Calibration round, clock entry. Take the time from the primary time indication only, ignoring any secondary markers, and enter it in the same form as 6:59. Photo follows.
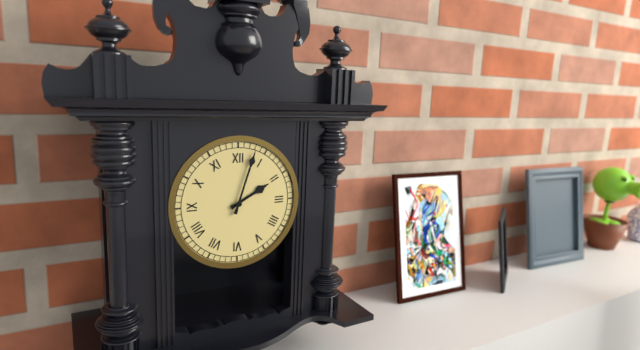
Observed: 2:03
